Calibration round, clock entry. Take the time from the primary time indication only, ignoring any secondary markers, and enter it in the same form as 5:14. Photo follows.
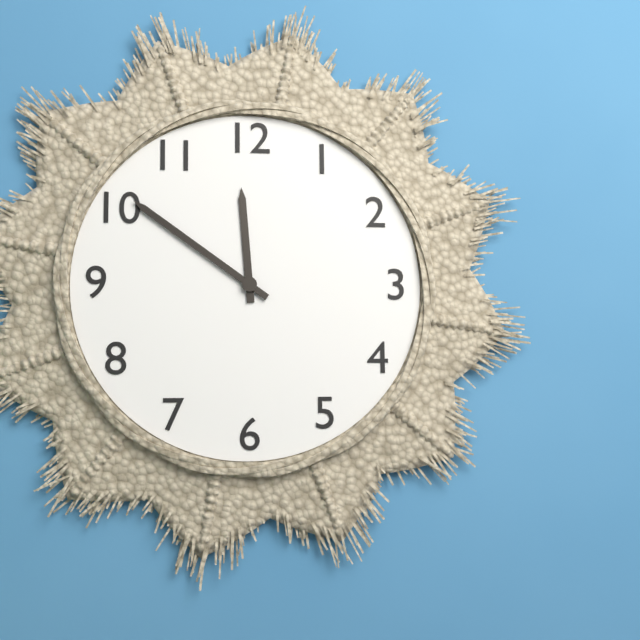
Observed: 11:51
